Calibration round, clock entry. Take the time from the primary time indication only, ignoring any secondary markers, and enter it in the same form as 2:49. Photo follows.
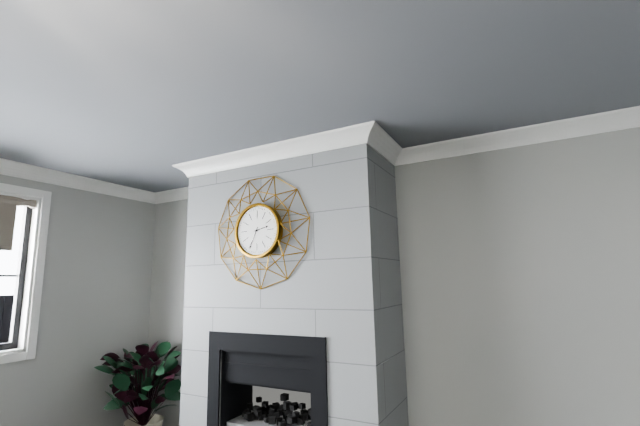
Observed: 2:34
